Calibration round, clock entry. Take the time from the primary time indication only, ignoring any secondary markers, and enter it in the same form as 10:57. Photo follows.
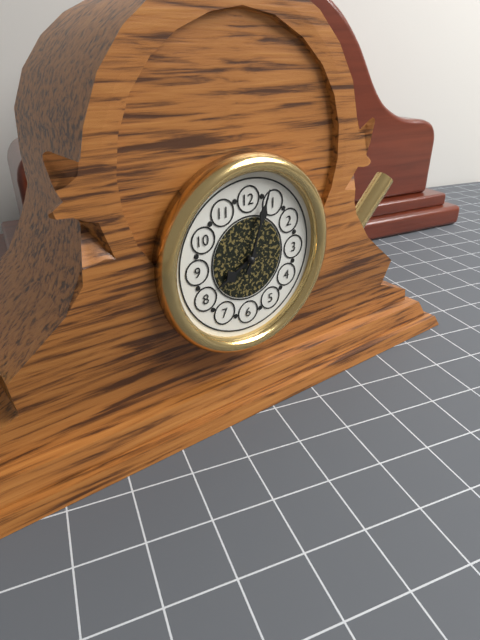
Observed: 8:03
